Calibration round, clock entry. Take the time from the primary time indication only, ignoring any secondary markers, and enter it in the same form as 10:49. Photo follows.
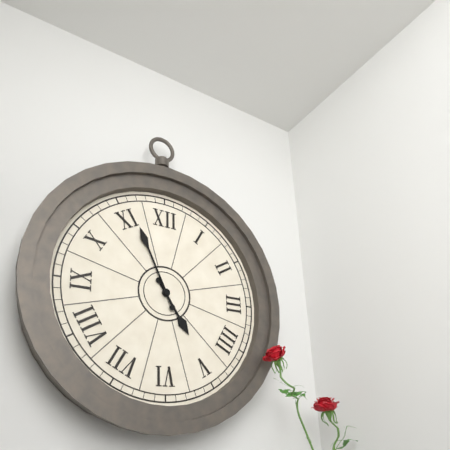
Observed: 4:56
